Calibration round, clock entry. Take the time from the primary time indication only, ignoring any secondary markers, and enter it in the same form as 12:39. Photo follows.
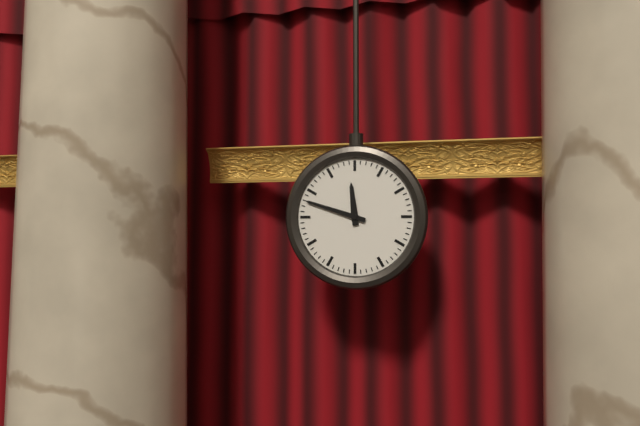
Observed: 11:48
